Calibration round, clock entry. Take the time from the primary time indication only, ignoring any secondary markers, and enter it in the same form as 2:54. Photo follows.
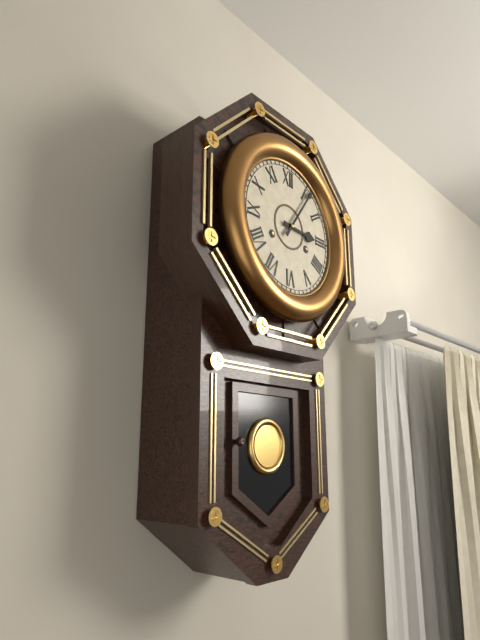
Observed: 3:06
